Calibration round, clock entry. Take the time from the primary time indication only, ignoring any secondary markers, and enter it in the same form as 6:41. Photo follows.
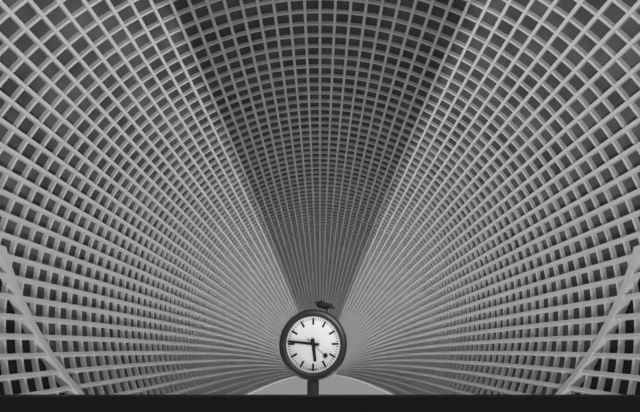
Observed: 5:46
